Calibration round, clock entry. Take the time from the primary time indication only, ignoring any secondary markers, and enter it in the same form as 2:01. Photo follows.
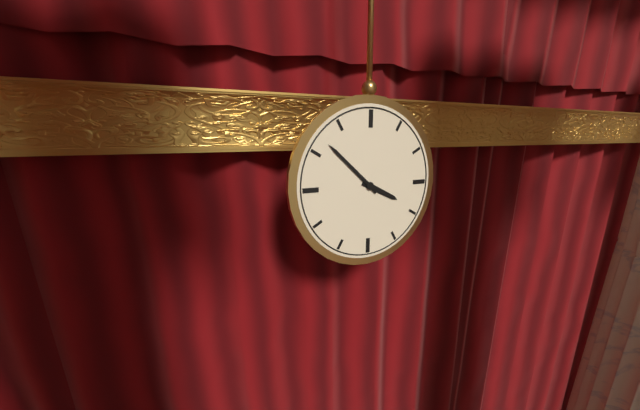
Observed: 3:52
